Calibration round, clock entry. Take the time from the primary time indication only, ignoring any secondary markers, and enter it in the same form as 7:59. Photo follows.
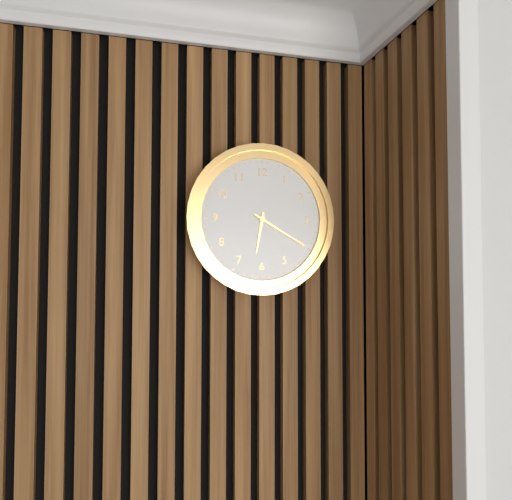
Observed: 6:20
